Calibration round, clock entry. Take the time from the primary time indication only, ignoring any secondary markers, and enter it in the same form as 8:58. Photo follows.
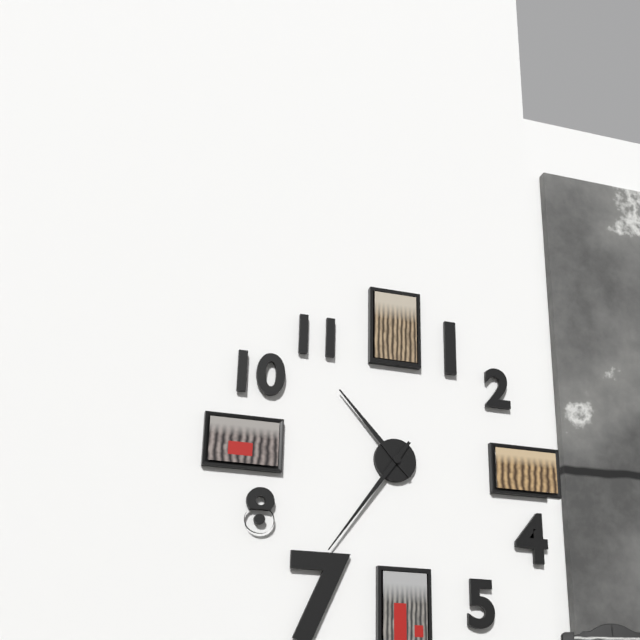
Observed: 10:36
